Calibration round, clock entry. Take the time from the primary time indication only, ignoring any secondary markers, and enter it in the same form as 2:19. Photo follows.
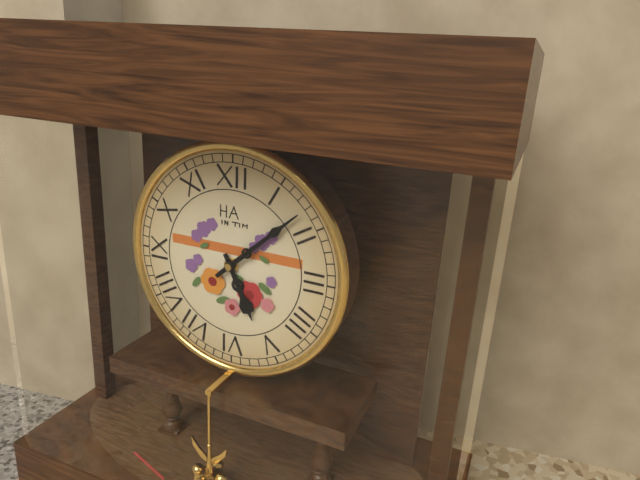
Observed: 5:08
